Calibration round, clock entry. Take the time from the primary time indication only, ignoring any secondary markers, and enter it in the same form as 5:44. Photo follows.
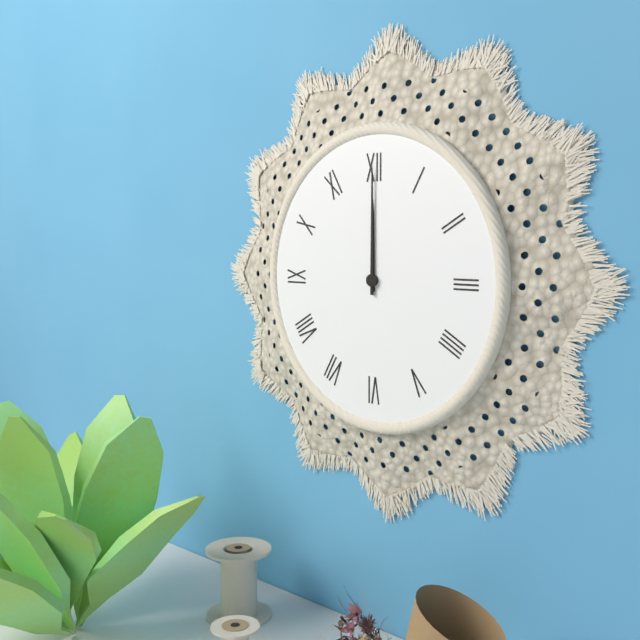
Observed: 12:00
